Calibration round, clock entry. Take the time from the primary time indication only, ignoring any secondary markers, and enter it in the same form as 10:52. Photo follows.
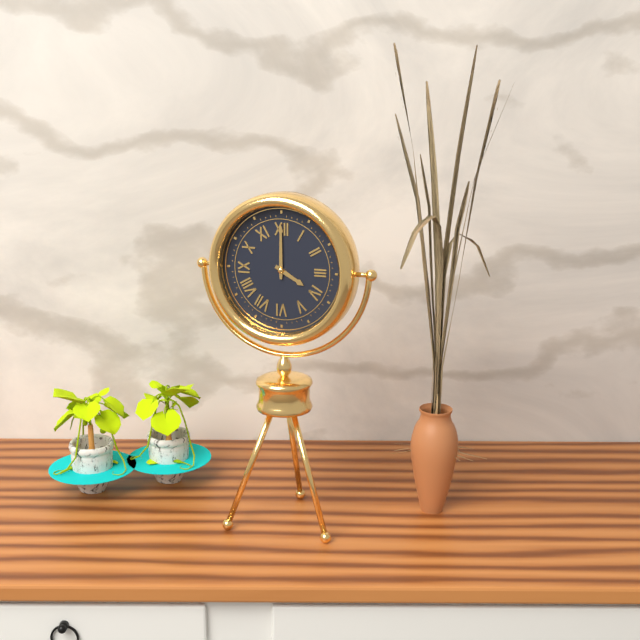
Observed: 4:00
